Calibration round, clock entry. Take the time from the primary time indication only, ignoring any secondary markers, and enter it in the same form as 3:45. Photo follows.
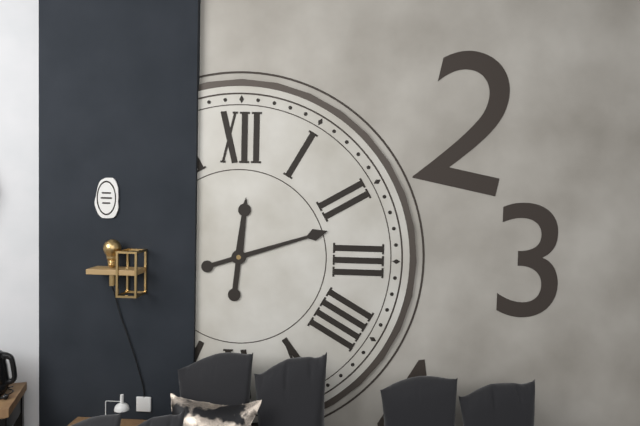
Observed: 12:12
